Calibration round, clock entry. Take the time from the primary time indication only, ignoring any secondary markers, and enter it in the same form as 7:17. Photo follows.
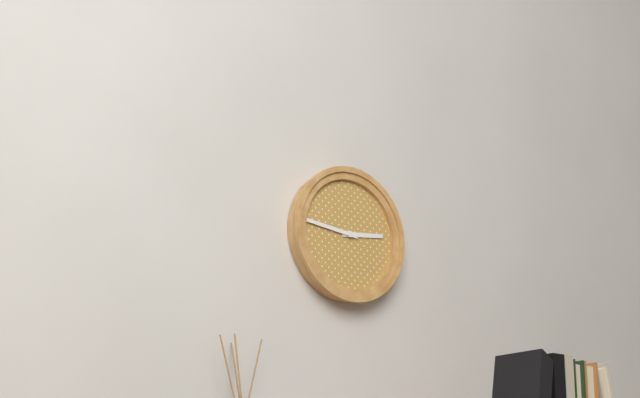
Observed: 2:46
